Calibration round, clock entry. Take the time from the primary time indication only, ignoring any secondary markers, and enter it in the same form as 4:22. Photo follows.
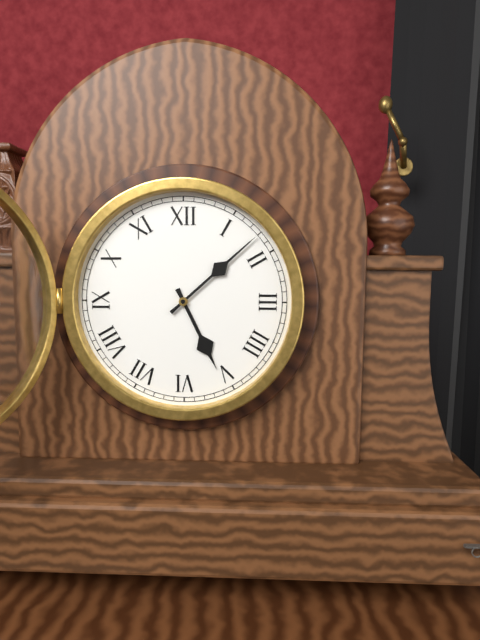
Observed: 5:08
